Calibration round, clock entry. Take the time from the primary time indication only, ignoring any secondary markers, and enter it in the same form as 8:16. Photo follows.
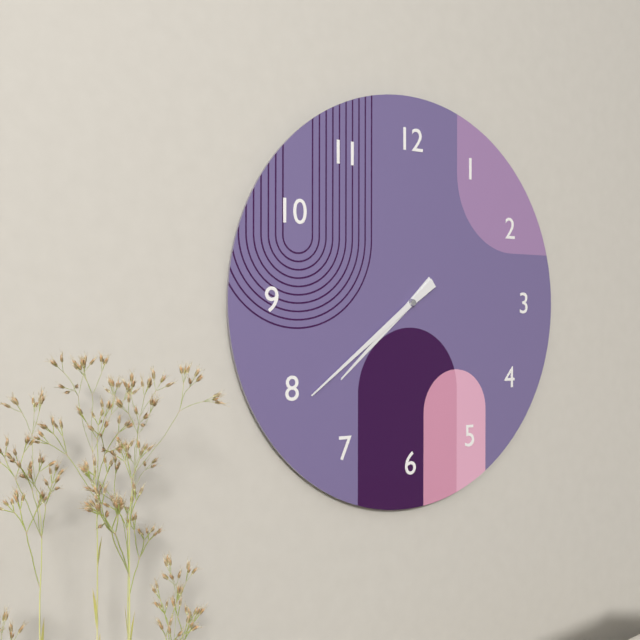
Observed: 7:39
